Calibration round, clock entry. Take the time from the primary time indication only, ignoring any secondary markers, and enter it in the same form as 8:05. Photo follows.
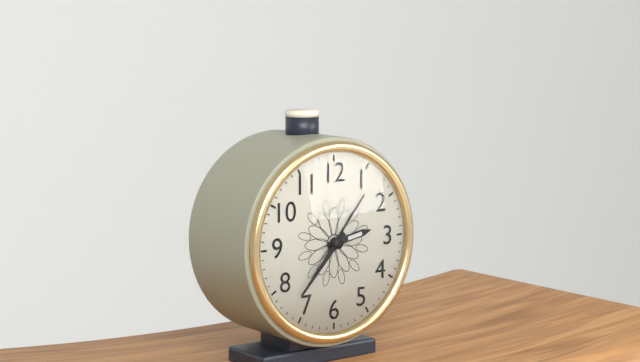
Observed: 2:37
